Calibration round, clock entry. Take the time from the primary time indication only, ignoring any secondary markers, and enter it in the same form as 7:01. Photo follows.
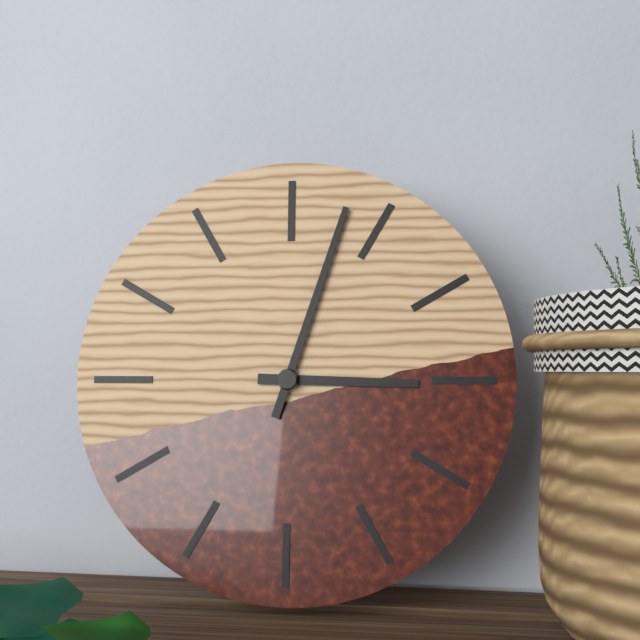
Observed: 3:03
